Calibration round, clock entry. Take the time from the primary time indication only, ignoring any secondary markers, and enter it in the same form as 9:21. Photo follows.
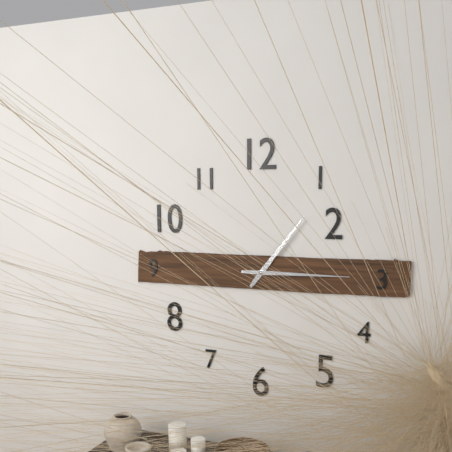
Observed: 1:15
